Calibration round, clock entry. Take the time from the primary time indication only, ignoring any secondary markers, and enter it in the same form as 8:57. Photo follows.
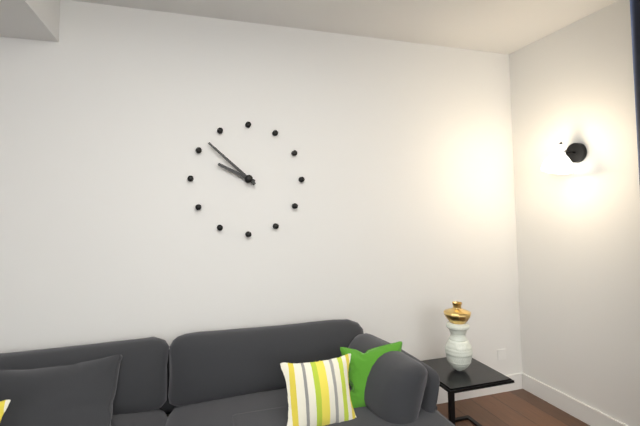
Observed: 9:52
